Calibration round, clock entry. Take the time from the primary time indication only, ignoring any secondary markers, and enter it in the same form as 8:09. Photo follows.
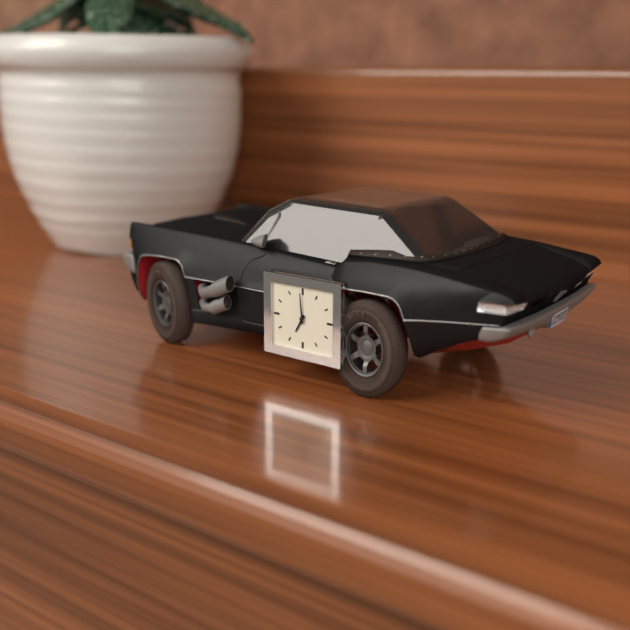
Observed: 6:59
